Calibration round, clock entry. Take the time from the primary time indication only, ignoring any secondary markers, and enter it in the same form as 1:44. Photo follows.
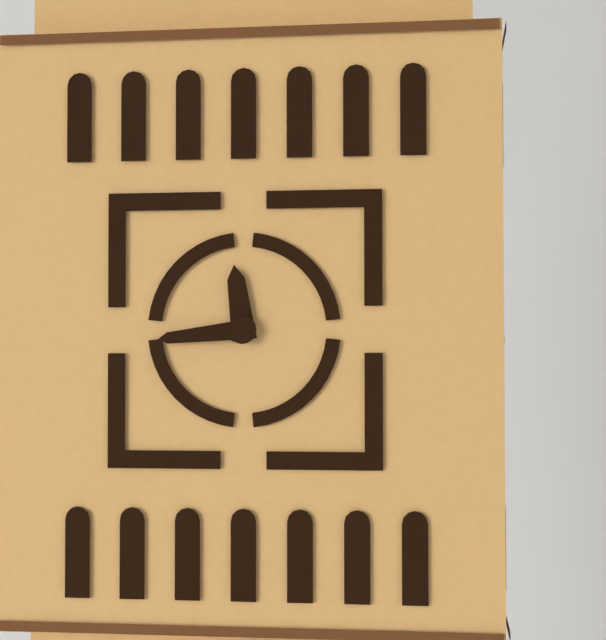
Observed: 11:44
